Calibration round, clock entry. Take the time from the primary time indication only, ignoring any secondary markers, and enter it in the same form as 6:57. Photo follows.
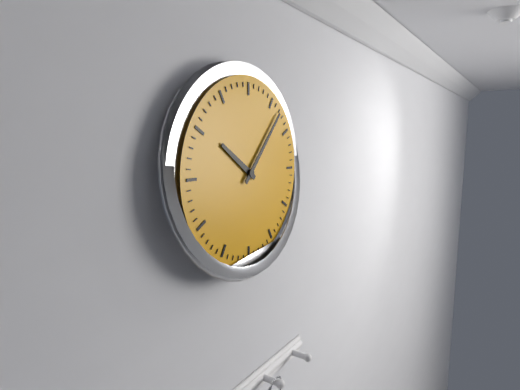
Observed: 10:07
